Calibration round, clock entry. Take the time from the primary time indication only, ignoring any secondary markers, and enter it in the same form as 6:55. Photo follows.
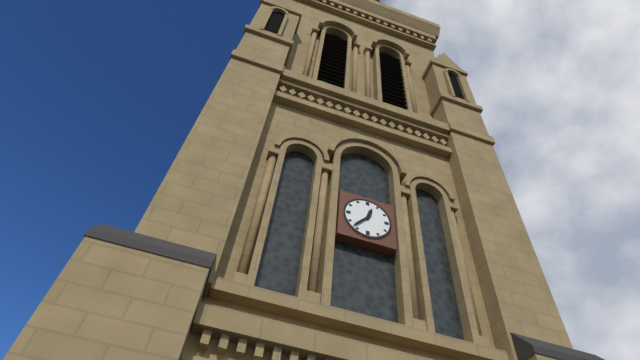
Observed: 12:37
